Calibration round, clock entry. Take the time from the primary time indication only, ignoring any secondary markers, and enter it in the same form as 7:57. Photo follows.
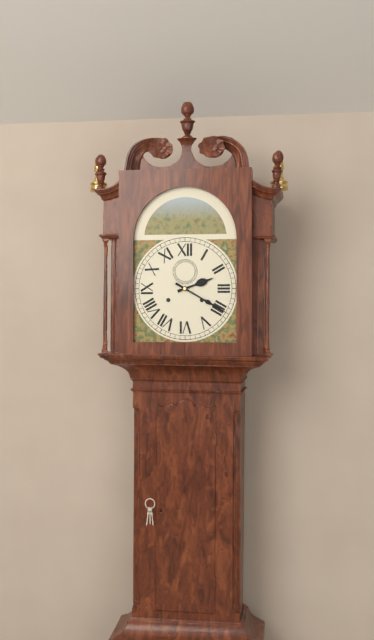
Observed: 2:20
